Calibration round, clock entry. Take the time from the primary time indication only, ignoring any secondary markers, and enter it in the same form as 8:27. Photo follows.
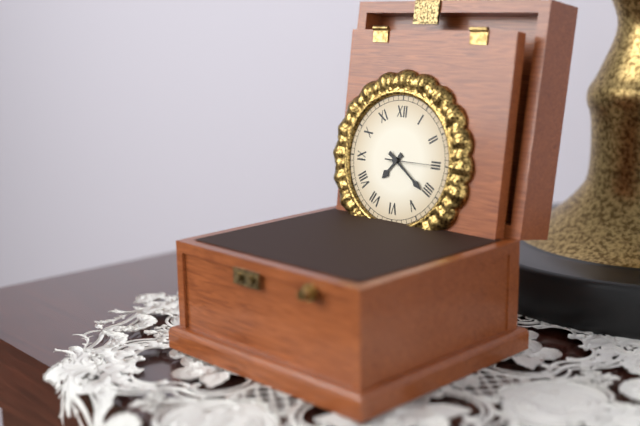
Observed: 7:21
